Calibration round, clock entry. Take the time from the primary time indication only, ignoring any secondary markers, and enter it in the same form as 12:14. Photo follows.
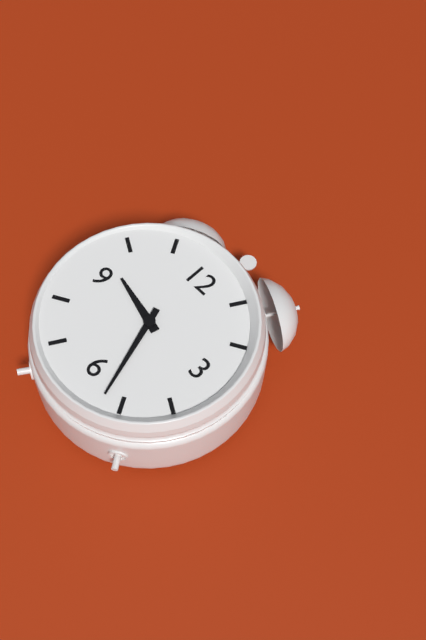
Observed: 9:27
